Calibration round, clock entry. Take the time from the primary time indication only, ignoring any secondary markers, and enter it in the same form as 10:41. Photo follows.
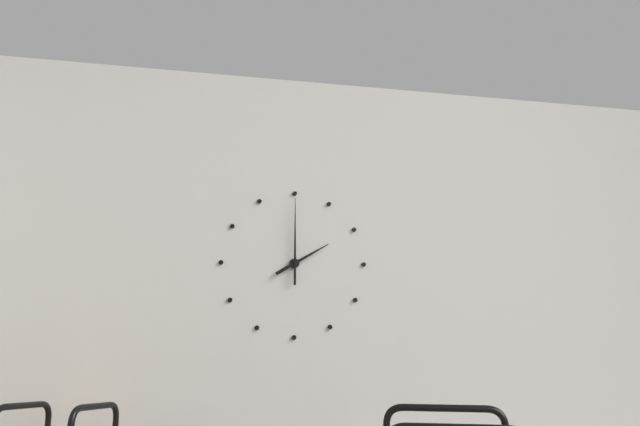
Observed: 2:00
